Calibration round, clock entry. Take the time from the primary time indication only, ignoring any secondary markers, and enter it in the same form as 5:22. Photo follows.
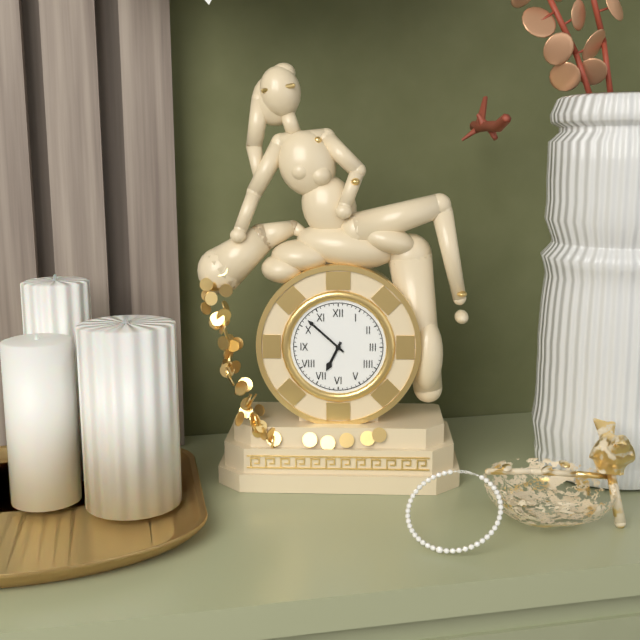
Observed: 6:52
